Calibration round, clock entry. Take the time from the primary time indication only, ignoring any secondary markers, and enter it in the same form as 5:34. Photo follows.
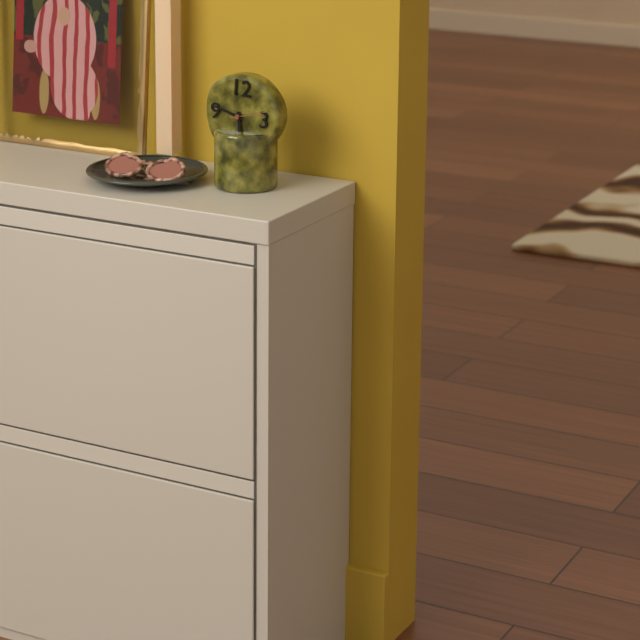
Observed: 5:47
